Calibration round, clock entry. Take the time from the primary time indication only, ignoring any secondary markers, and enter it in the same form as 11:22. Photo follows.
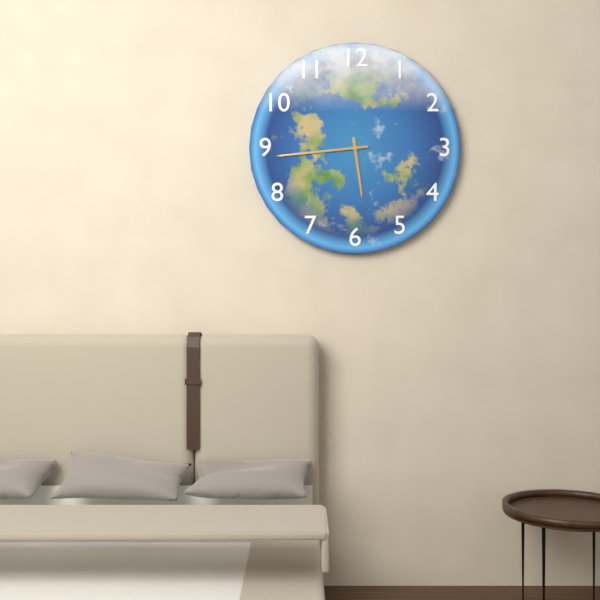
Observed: 5:44
